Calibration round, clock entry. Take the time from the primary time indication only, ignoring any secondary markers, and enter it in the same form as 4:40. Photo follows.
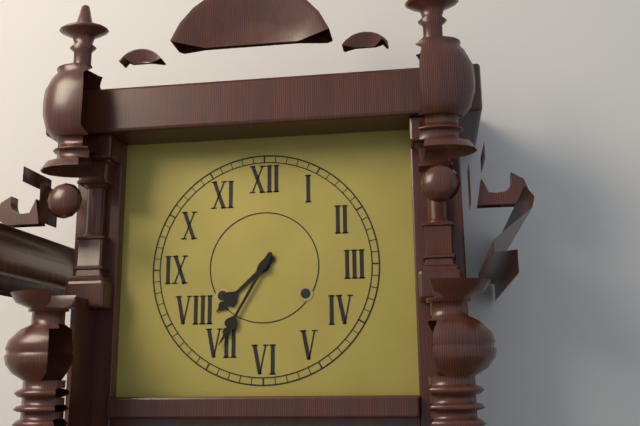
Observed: 7:35
